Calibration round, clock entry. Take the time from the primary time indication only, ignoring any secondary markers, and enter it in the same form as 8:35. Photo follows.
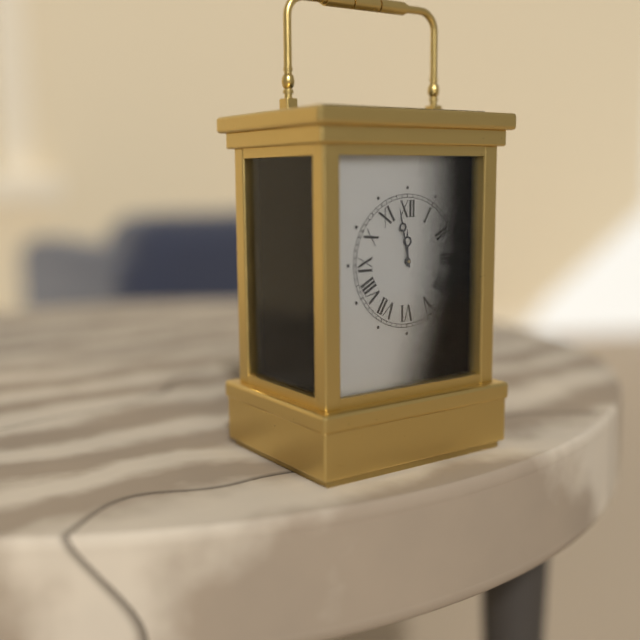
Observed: 11:58
